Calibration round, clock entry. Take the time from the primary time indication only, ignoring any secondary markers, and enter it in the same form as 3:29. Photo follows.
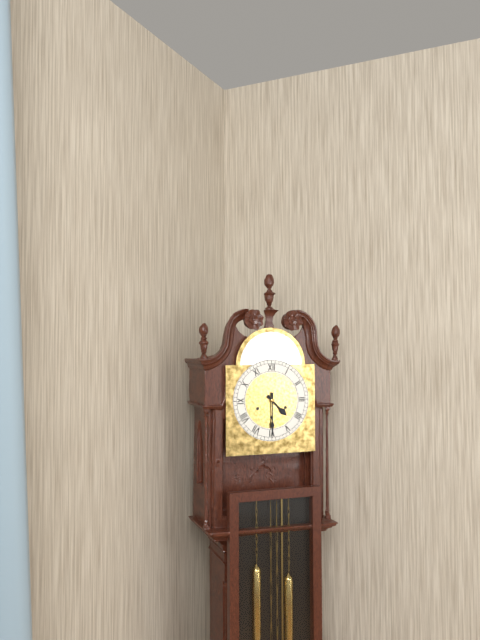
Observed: 4:30
